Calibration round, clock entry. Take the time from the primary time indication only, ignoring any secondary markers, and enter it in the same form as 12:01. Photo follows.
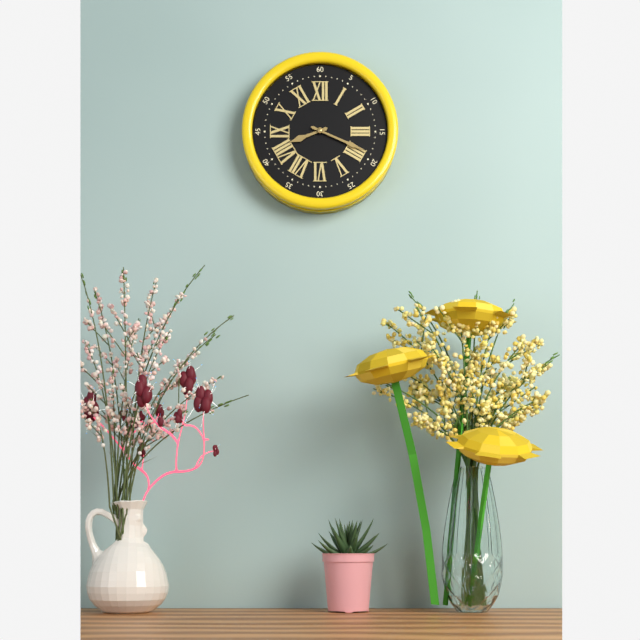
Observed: 8:19
